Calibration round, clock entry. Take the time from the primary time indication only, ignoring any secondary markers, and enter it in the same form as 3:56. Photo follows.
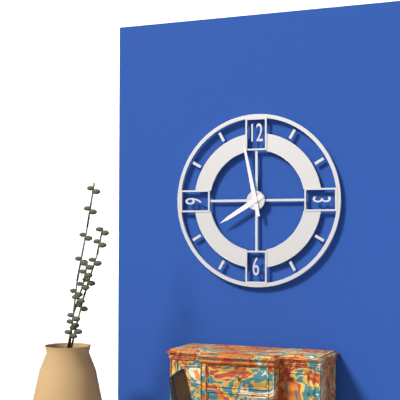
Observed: 7:58
